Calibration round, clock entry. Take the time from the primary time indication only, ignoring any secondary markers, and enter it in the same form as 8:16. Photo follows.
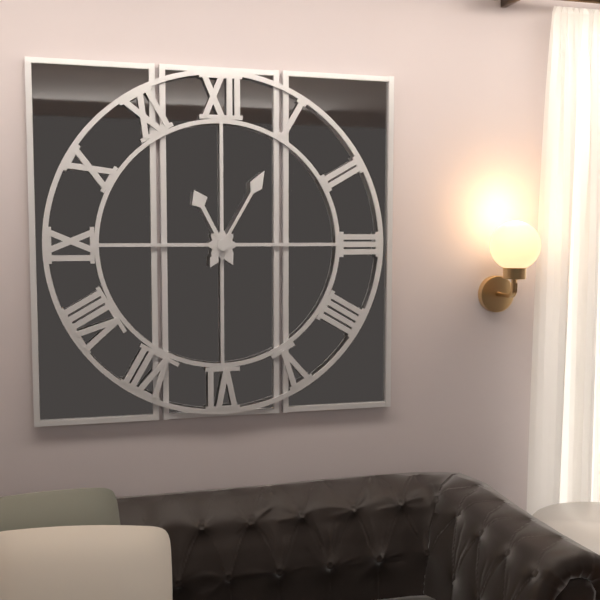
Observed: 11:05
